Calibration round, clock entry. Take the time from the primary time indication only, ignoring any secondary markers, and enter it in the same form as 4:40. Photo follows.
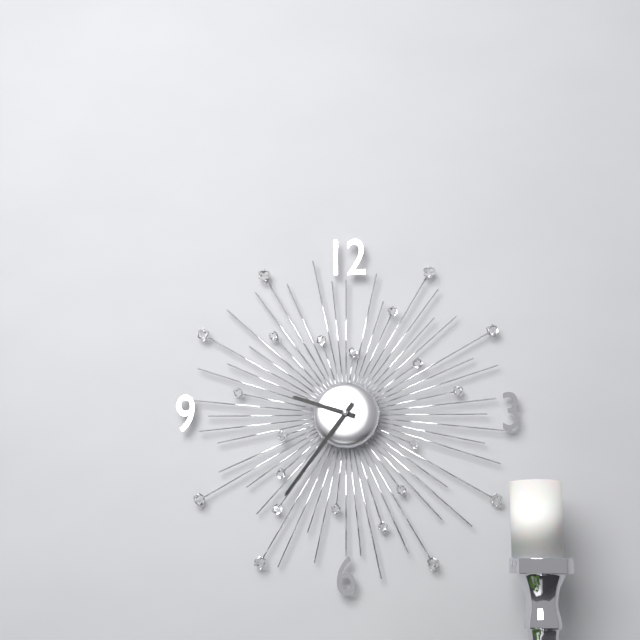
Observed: 9:36
